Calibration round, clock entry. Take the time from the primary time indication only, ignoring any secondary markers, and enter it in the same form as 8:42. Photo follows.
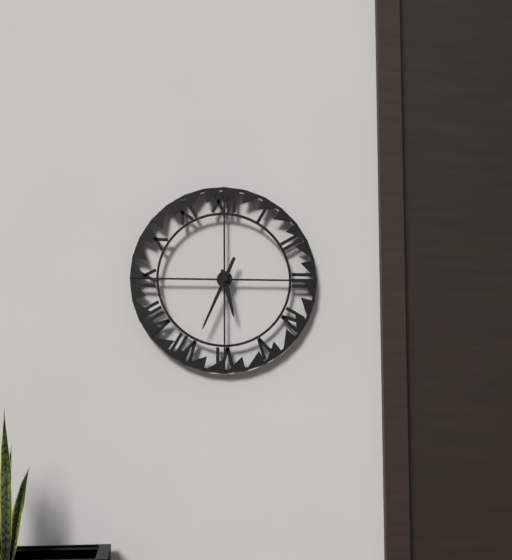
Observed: 5:34
